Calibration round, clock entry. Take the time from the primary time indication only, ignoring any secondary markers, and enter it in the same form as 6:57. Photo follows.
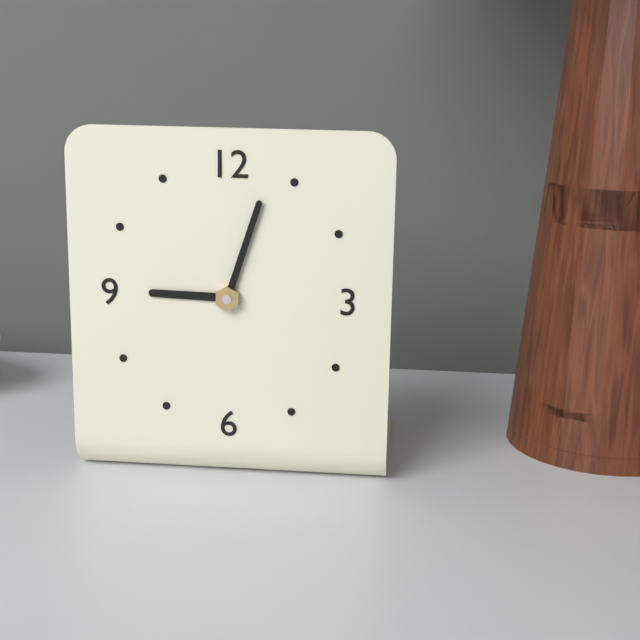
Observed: 9:03
